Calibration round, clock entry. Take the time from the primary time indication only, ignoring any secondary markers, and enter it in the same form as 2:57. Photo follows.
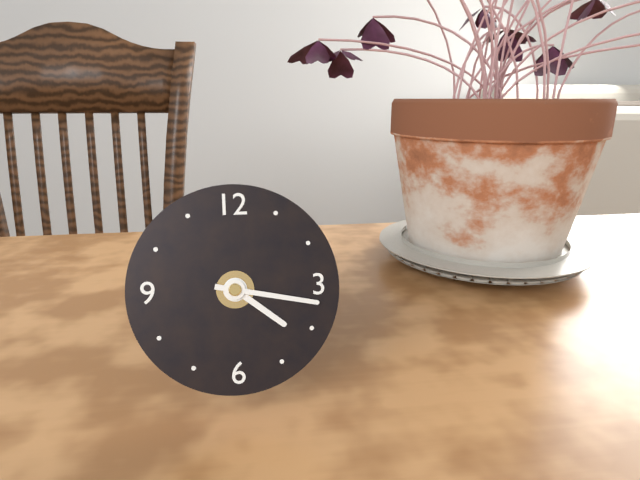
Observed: 4:17
